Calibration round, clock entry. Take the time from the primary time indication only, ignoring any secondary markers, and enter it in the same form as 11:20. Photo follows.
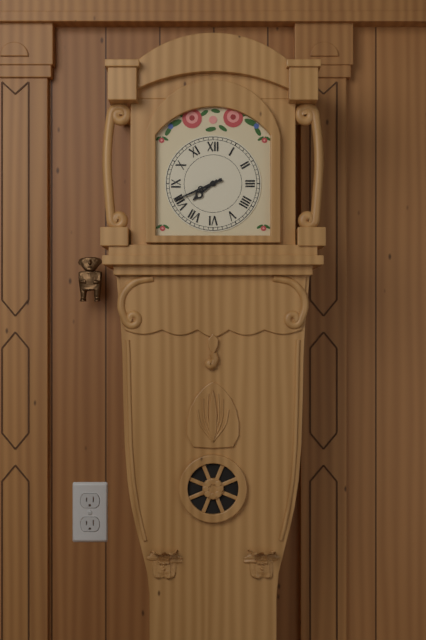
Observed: 7:41
